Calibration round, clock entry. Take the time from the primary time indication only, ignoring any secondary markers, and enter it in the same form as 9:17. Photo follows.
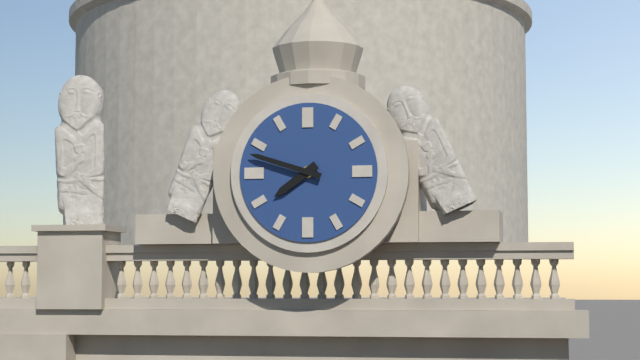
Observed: 7:48
